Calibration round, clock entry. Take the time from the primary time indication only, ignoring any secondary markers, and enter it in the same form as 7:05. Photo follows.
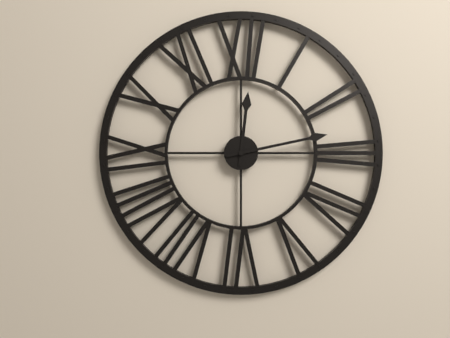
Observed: 12:13
